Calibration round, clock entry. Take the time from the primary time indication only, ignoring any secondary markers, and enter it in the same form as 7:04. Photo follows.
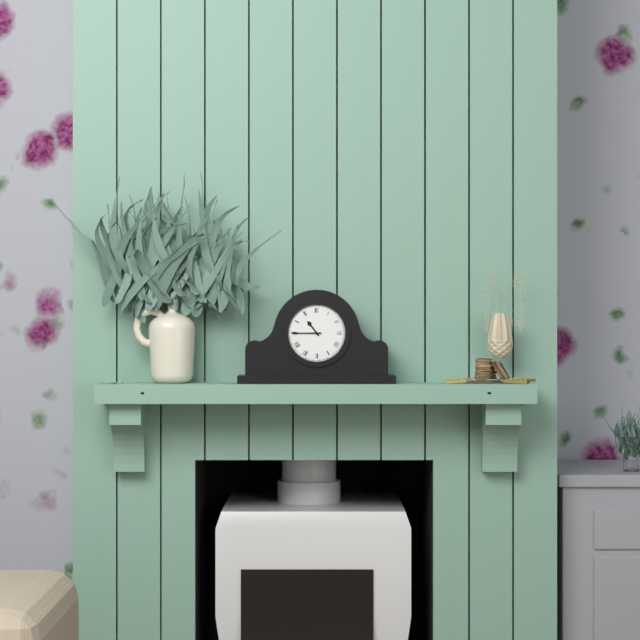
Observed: 10:45
